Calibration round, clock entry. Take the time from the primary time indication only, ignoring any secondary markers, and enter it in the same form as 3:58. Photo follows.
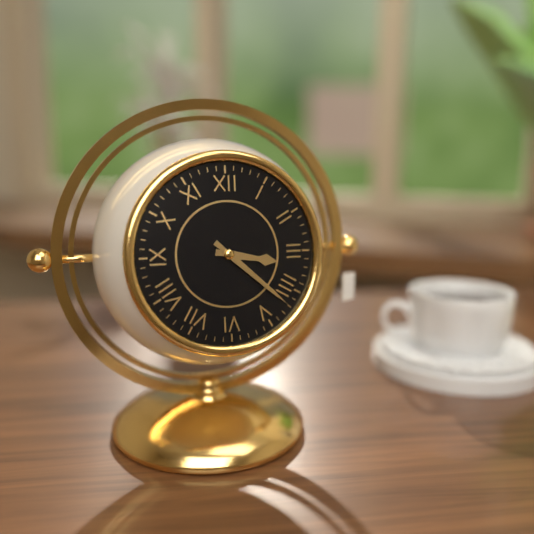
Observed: 3:22
